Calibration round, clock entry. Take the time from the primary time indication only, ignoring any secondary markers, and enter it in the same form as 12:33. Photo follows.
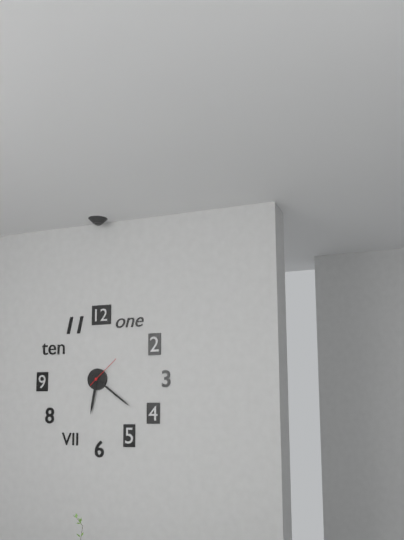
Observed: 6:21
